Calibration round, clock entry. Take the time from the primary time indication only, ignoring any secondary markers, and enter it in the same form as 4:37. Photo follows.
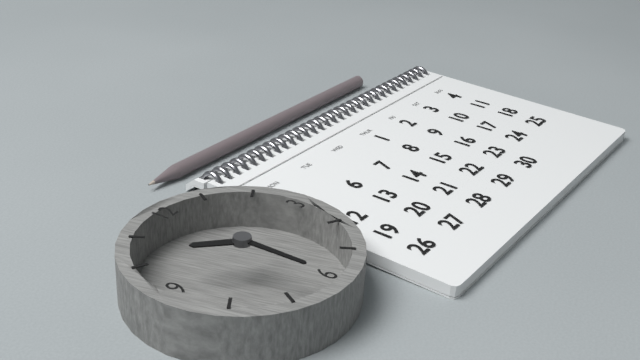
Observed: 10:30
